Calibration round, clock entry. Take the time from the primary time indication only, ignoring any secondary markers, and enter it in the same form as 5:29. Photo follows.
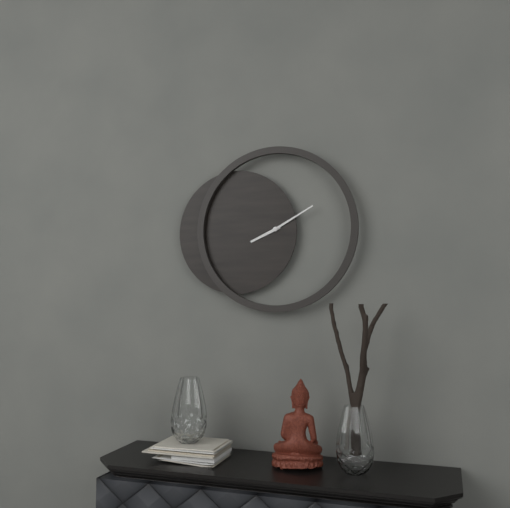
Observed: 8:10
